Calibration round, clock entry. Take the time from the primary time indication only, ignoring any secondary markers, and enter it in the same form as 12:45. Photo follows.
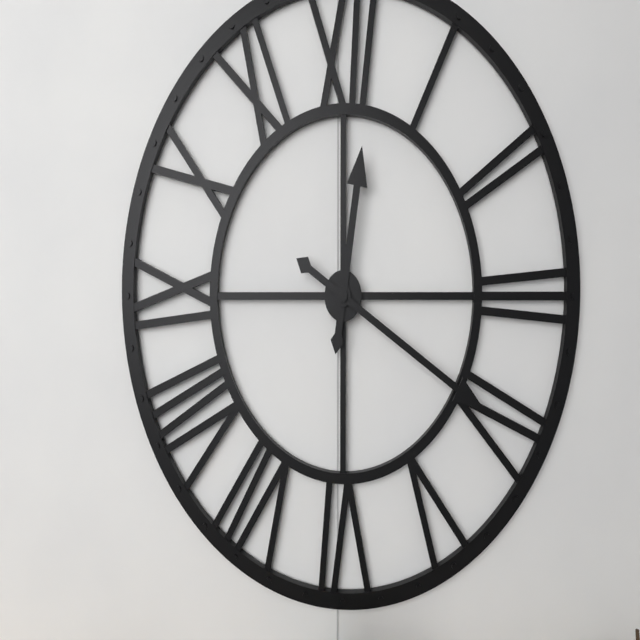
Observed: 12:20
